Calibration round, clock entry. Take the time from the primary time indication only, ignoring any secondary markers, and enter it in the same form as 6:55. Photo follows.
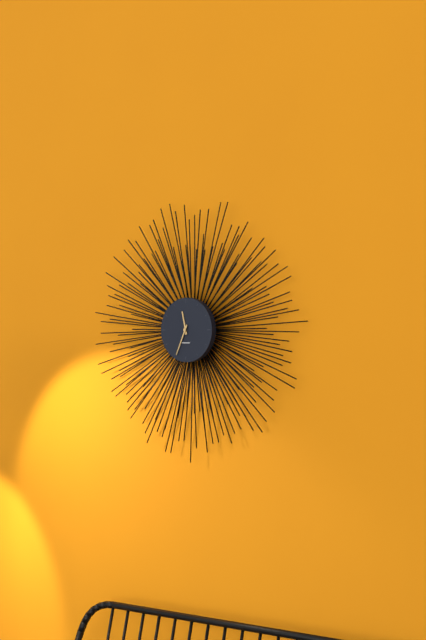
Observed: 11:34
